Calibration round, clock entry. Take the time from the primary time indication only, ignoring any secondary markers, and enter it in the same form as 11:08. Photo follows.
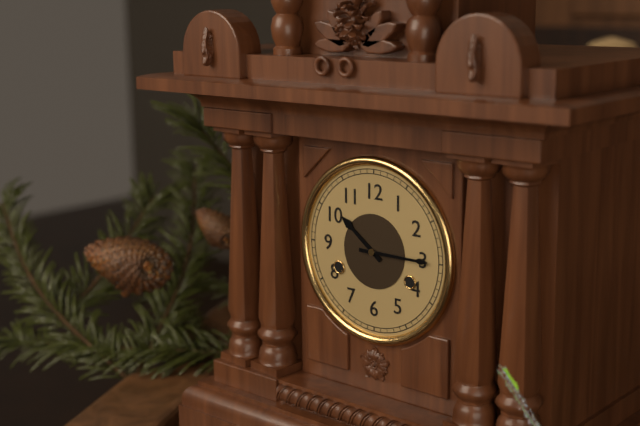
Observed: 10:15
